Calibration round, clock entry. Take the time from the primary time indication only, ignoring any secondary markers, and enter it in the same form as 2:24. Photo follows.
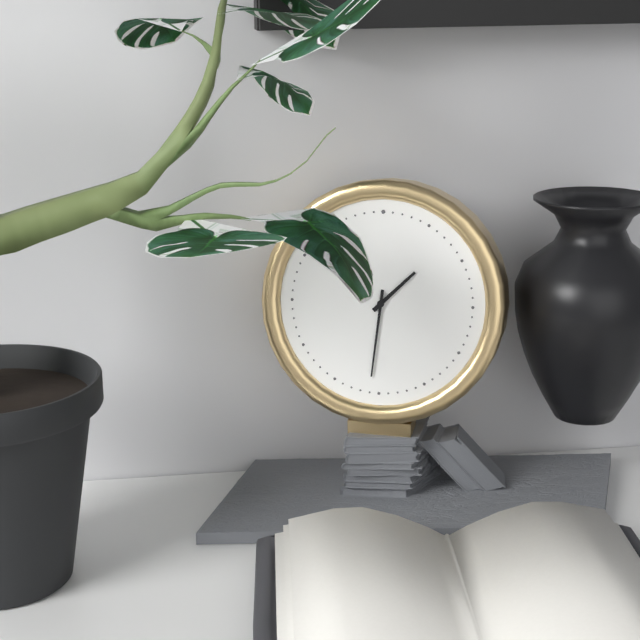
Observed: 1:31
